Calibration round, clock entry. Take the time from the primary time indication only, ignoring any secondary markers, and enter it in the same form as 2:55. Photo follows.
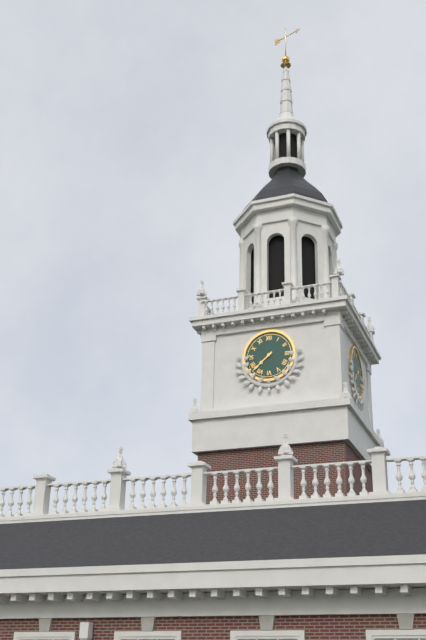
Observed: 7:38
